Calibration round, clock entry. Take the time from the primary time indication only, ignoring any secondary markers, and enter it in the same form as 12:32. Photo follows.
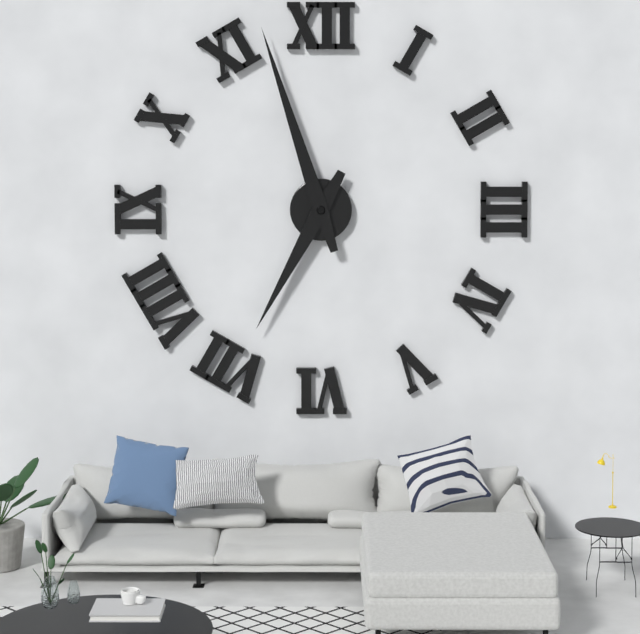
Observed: 6:57
